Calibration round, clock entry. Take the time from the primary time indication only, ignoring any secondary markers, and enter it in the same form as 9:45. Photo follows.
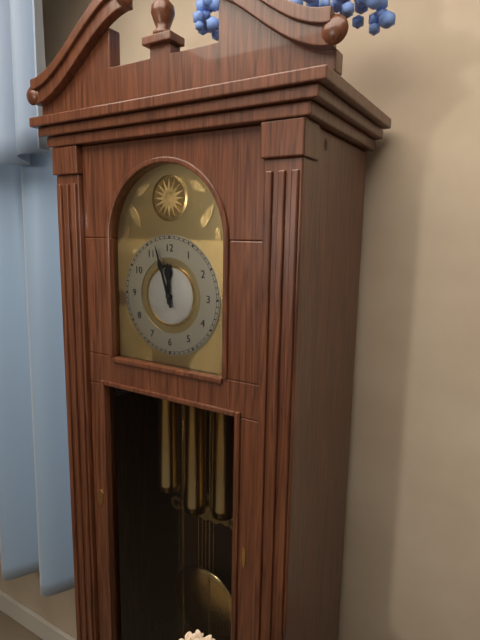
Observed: 11:57
